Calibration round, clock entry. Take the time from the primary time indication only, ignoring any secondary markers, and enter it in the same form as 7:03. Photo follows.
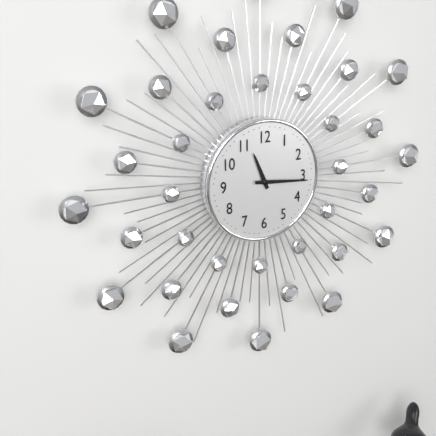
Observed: 11:16
